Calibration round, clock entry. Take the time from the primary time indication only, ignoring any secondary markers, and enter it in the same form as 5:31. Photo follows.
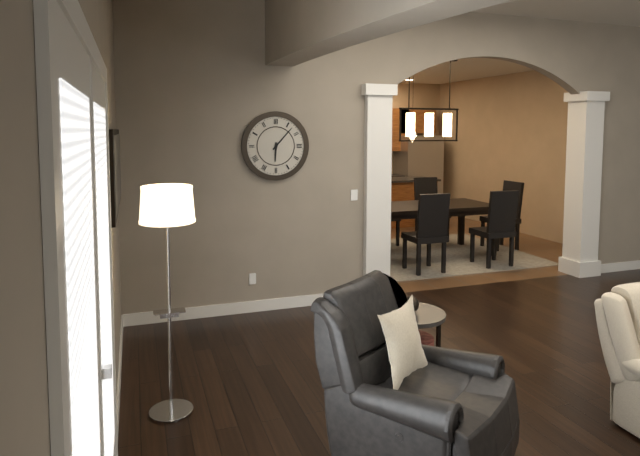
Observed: 6:07
